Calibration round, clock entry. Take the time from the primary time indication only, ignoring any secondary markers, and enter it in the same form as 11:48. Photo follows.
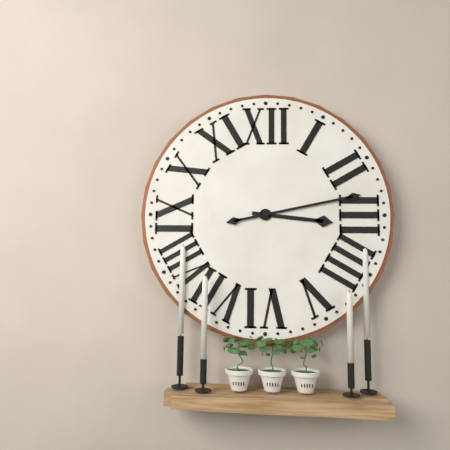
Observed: 3:13
